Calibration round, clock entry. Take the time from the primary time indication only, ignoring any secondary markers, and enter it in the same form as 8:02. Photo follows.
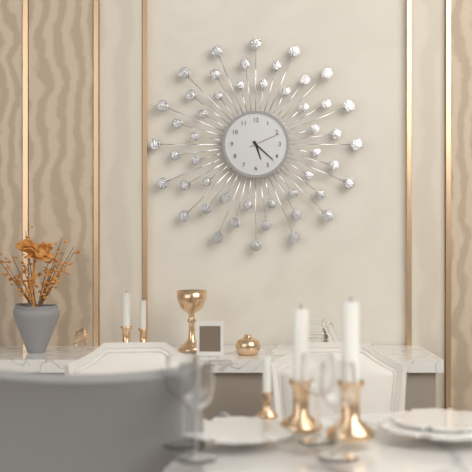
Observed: 5:22
